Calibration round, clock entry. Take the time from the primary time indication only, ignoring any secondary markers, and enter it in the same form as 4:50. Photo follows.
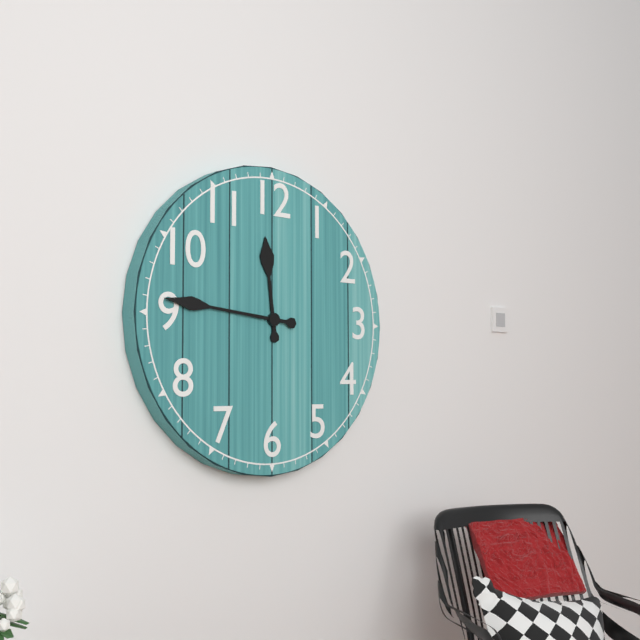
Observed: 11:46
